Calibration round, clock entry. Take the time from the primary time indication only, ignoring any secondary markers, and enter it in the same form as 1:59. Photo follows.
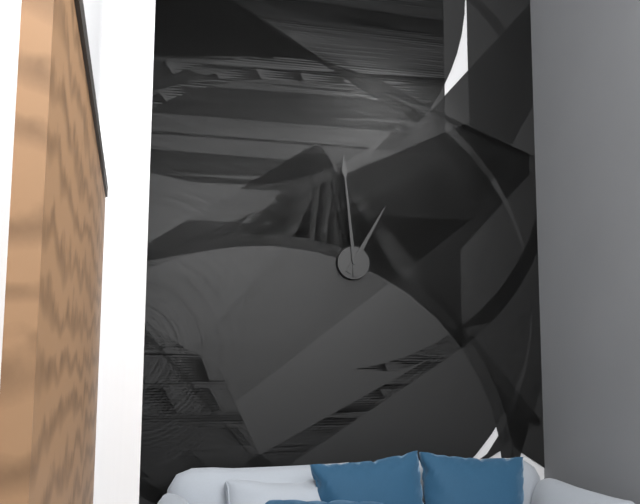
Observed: 12:59
